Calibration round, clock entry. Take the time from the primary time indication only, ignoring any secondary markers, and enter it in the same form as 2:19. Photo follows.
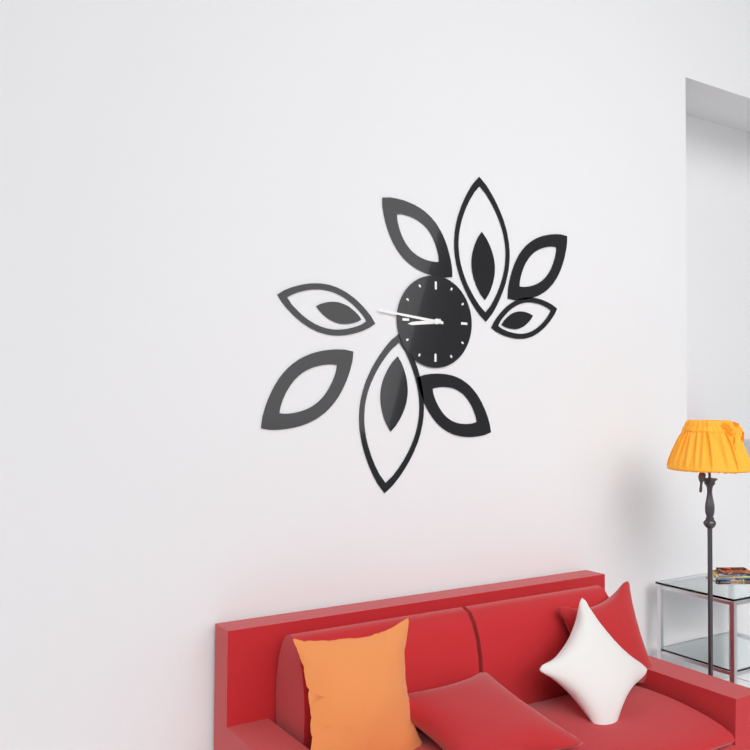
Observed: 8:46
